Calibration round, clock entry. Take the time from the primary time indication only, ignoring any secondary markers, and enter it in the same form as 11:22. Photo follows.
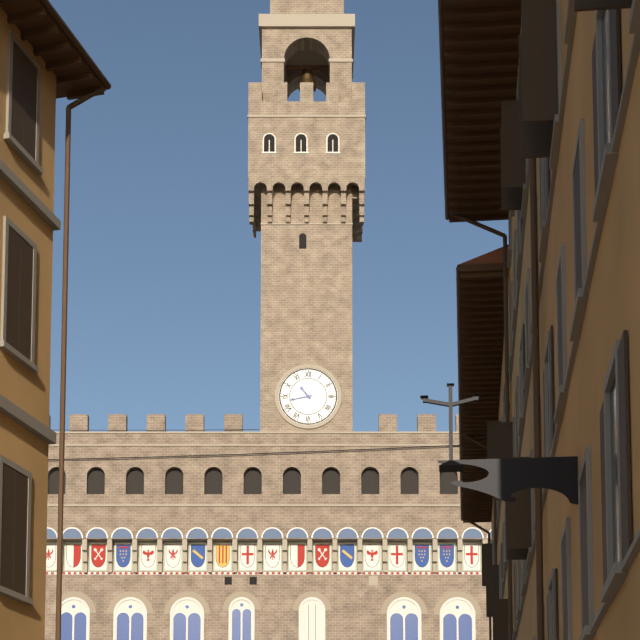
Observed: 10:43
